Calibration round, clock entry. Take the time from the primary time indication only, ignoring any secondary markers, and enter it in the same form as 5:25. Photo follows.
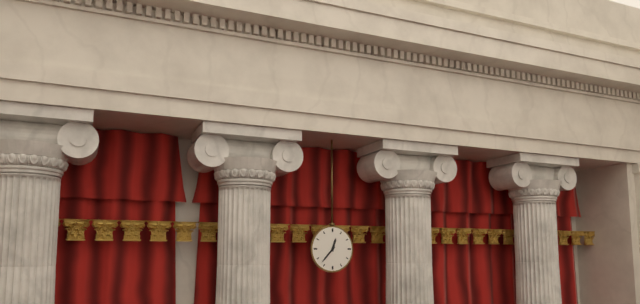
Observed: 12:37
